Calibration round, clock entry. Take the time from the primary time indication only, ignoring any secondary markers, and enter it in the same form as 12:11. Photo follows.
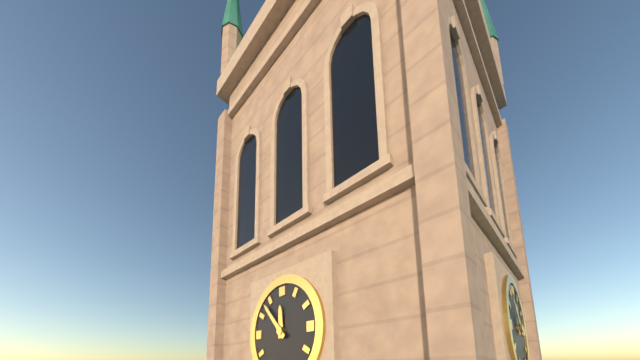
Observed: 11:53
